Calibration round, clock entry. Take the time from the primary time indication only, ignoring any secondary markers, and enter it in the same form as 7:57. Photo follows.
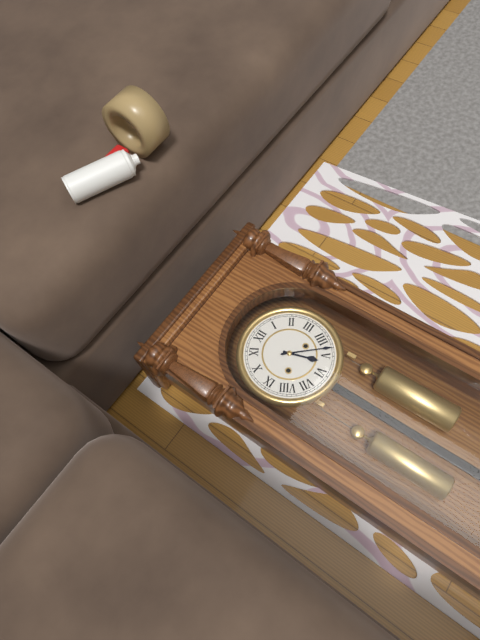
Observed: 5:23
